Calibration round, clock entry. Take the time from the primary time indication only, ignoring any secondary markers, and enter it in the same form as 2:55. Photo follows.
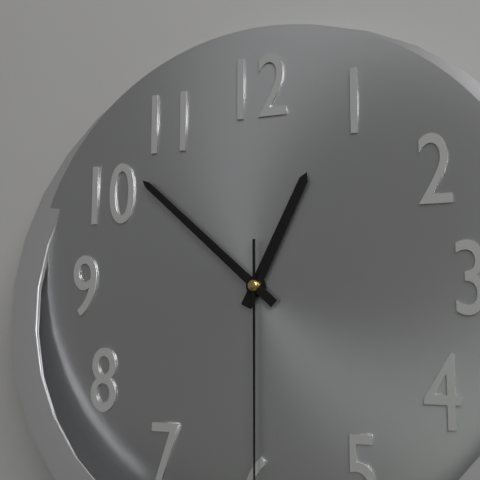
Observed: 12:52
